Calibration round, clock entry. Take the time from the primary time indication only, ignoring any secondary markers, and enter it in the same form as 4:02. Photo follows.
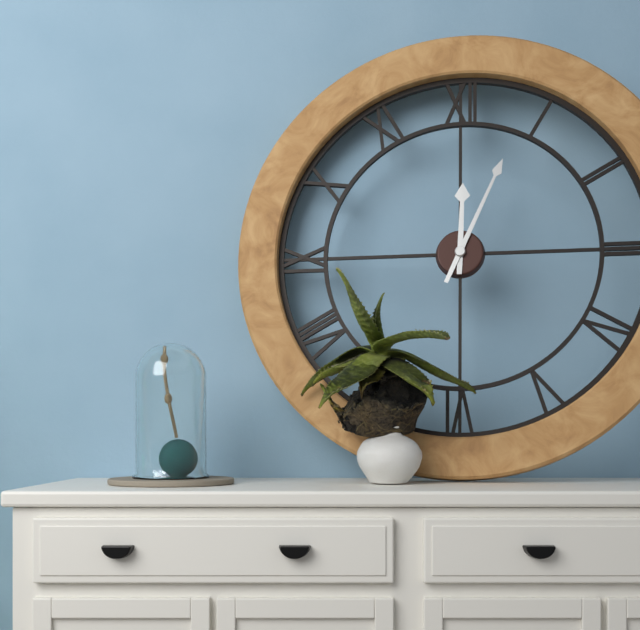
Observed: 12:04
